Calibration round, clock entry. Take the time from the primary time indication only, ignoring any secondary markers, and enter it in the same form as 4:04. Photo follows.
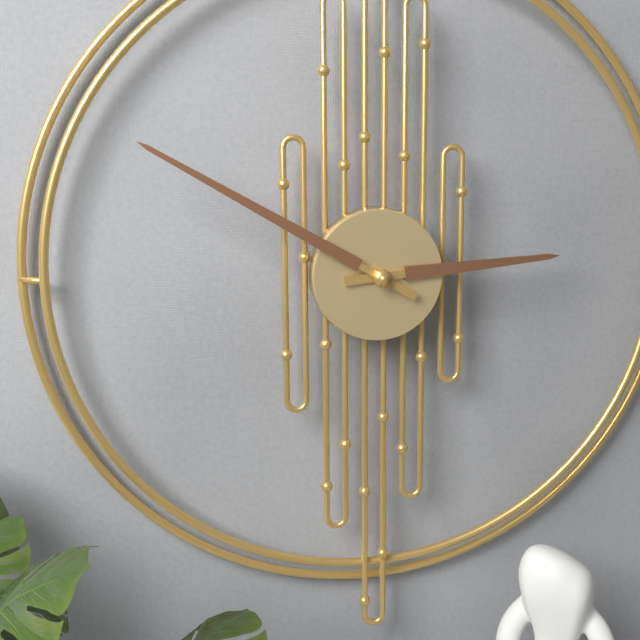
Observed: 2:50
